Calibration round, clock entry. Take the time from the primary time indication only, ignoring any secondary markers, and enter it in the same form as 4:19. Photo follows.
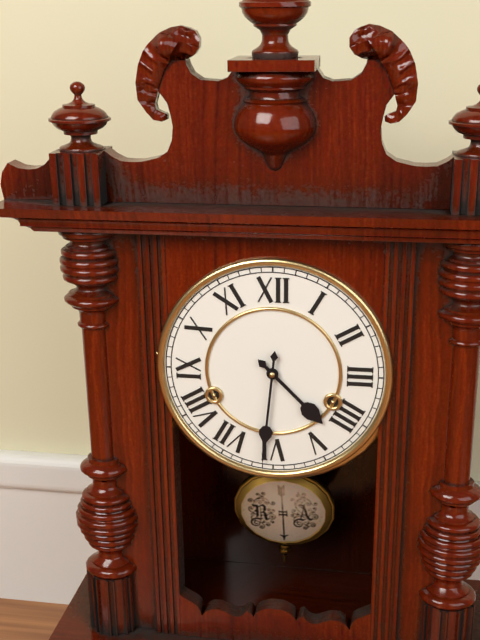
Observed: 4:31
